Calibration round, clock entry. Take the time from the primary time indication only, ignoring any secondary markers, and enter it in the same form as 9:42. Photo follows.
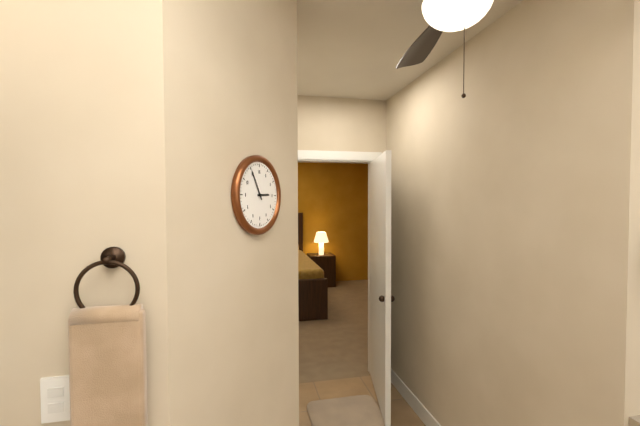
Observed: 2:55
